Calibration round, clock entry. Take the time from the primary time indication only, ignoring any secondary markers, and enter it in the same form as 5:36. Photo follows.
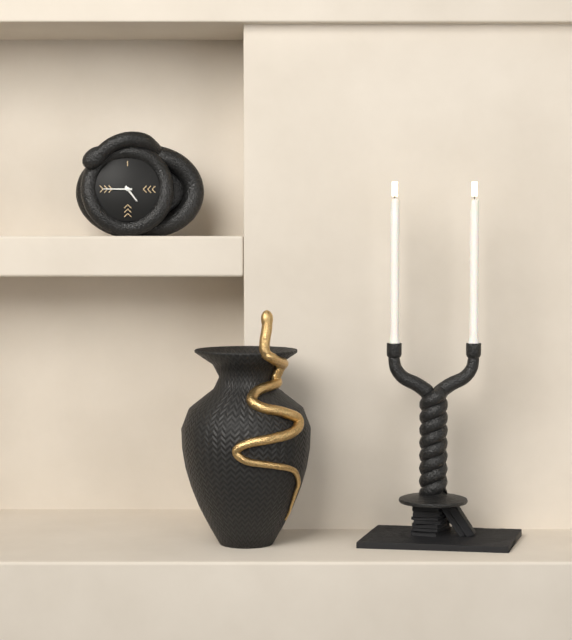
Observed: 4:45
